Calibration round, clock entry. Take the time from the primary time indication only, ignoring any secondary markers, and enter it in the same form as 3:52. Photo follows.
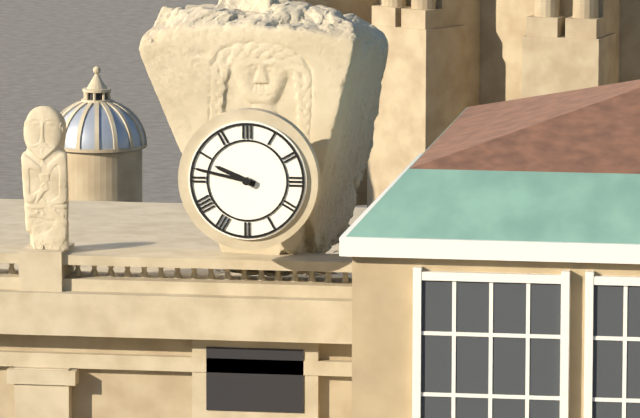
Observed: 9:47
